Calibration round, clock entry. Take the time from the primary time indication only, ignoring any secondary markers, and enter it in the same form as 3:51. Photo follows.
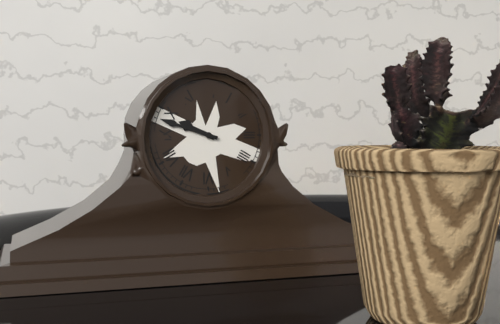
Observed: 9:48
